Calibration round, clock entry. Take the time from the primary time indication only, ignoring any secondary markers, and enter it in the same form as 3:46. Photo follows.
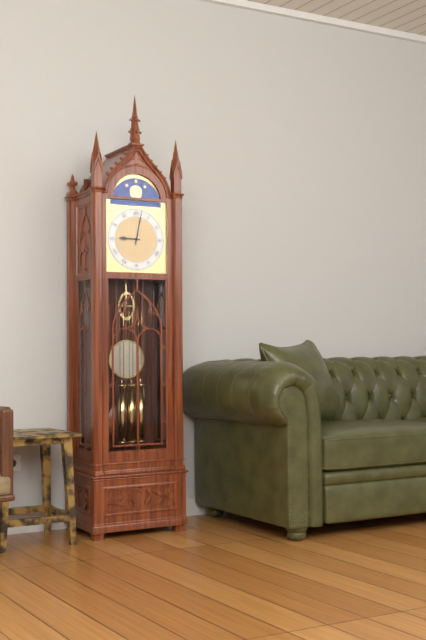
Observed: 9:02
